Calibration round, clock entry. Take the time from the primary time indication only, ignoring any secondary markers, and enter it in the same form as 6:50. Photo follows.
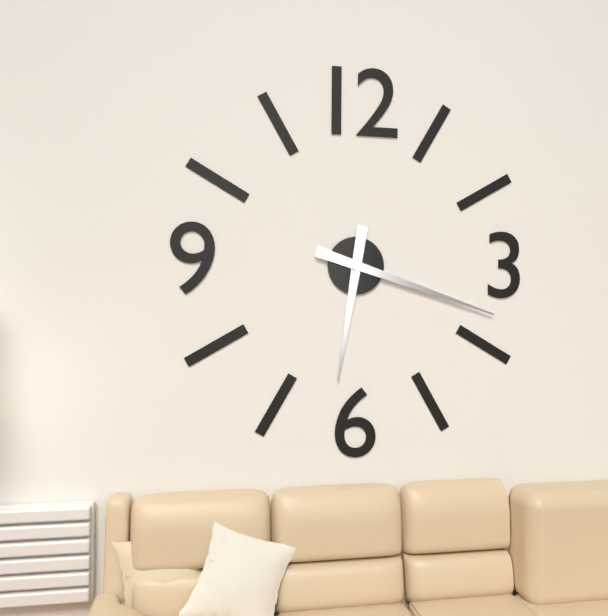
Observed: 6:18
